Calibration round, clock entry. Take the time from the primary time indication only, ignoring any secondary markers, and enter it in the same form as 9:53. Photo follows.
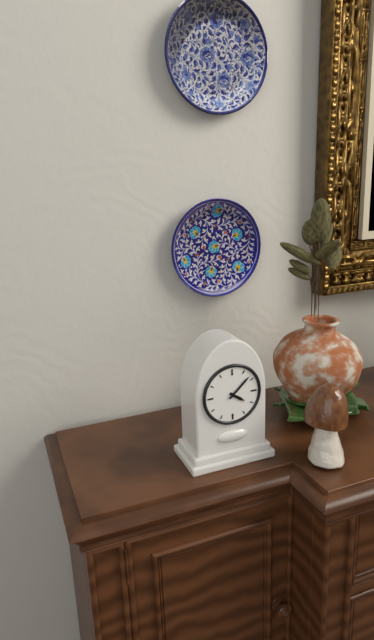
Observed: 4:08
